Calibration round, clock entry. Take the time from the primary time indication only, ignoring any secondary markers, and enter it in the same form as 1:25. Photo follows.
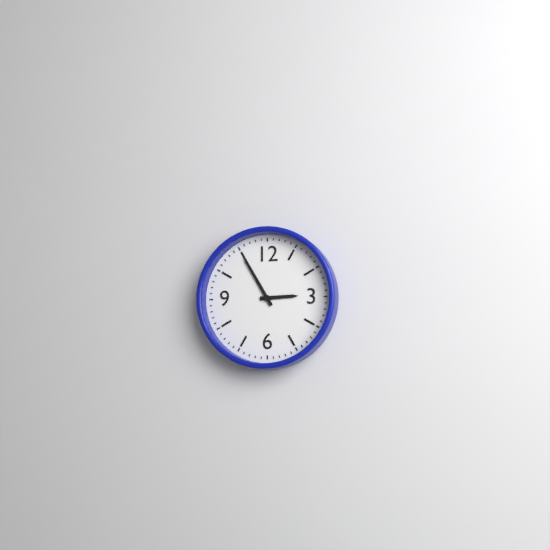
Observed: 2:55
